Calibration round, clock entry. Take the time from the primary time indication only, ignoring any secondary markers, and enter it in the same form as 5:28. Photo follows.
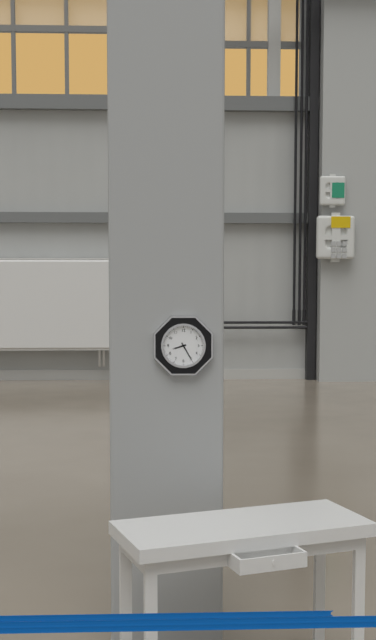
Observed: 8:25
